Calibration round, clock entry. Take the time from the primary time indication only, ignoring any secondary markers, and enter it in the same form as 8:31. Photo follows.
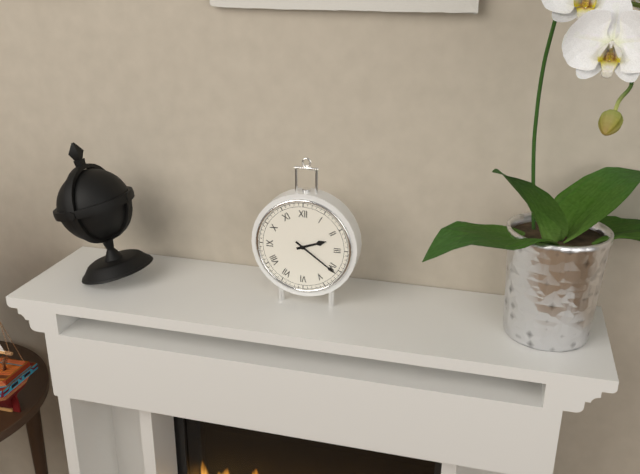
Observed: 2:21
